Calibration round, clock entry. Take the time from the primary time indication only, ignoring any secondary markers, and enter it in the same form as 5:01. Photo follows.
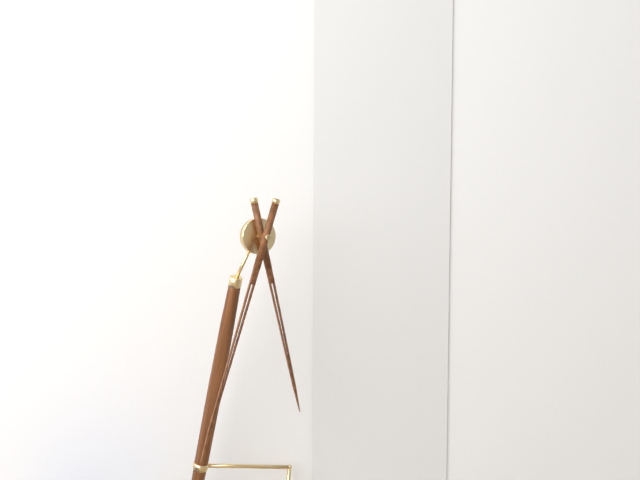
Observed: 5:33
